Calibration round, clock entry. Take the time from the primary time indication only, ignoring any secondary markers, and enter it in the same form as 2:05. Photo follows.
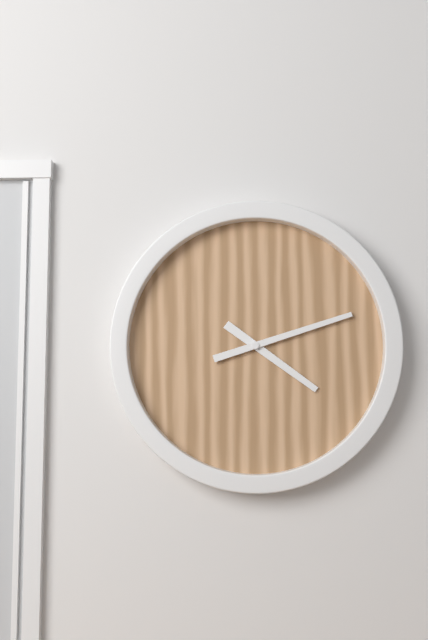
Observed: 4:12
